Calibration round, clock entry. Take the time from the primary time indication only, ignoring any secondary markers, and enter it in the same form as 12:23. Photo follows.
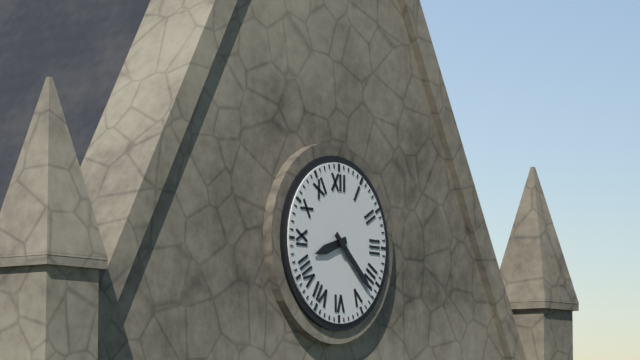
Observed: 8:22
